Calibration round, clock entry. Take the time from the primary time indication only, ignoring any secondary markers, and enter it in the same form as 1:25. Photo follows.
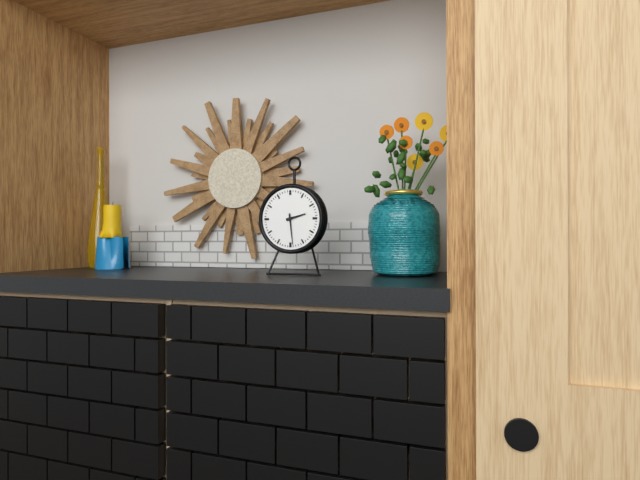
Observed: 2:29
